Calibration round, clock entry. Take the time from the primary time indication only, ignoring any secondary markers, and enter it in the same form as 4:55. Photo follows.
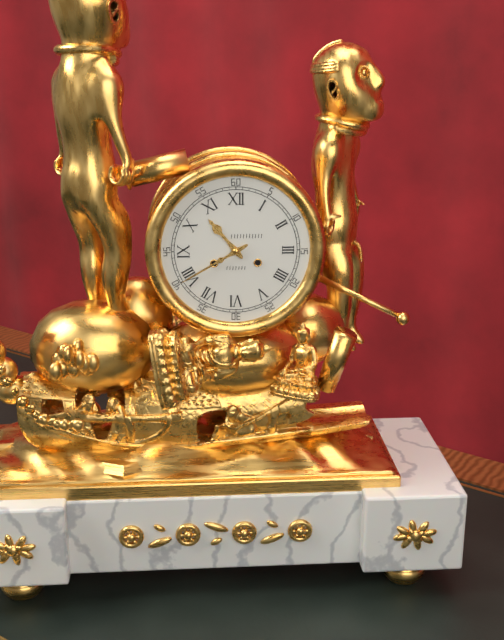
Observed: 10:40
